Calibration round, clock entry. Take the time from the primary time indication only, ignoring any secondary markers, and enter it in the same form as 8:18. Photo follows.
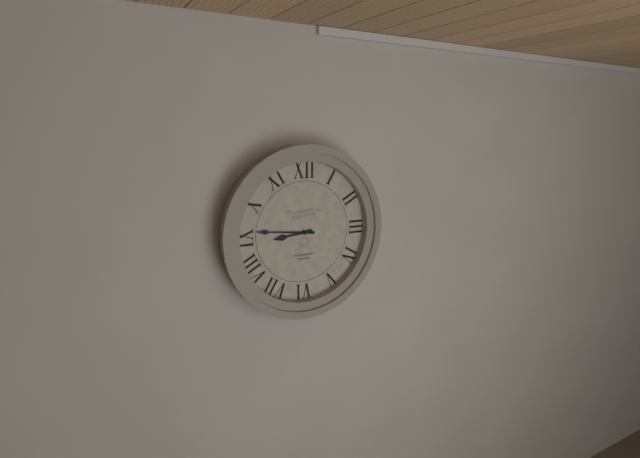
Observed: 8:46
